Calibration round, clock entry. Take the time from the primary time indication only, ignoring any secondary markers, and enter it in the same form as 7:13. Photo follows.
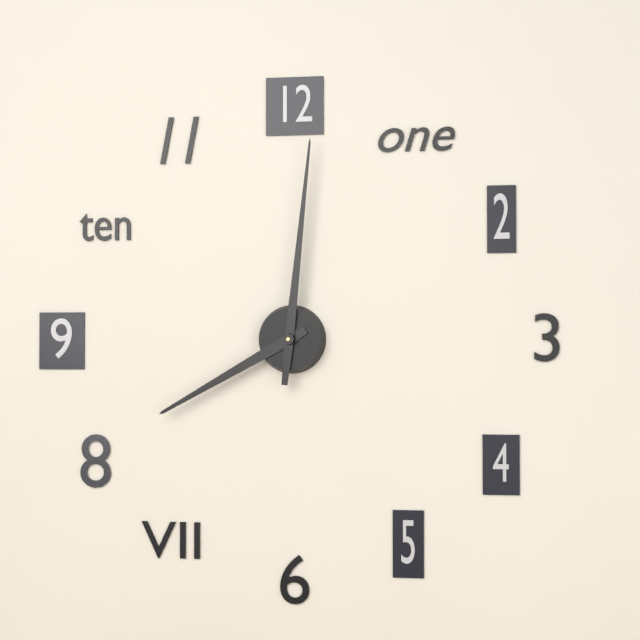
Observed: 8:01
